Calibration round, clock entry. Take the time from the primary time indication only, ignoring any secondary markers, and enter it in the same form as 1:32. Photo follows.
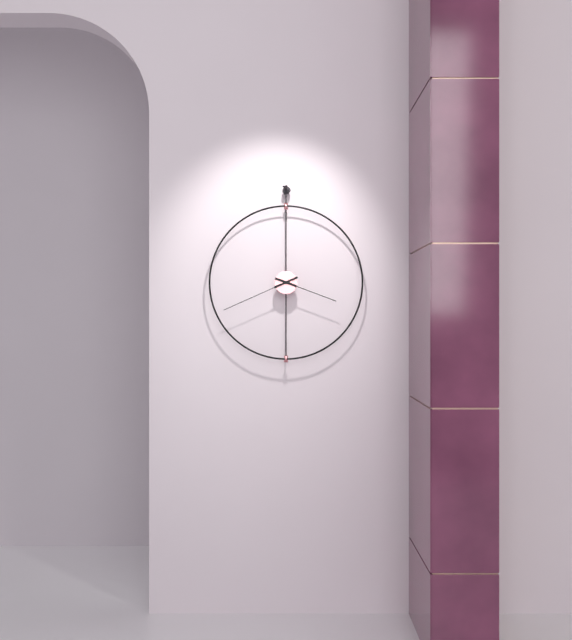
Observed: 3:41
